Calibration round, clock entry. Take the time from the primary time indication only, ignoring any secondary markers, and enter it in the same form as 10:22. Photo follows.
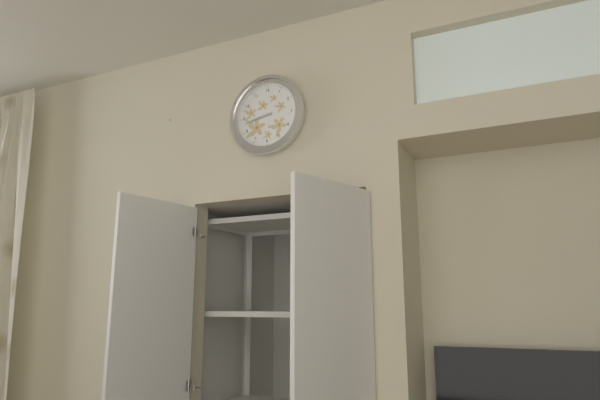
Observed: 8:43
